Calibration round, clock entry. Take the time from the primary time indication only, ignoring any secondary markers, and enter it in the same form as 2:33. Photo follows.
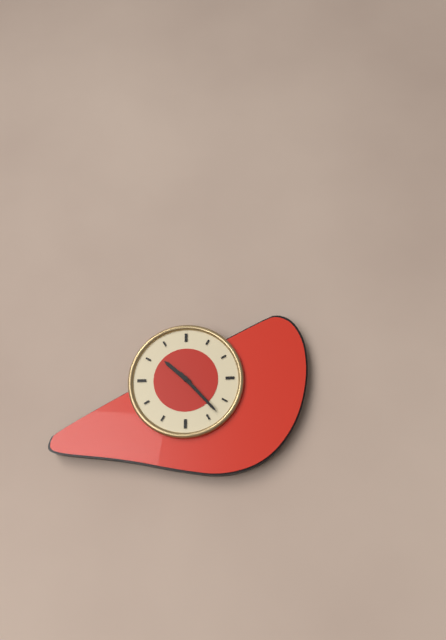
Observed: 10:23
